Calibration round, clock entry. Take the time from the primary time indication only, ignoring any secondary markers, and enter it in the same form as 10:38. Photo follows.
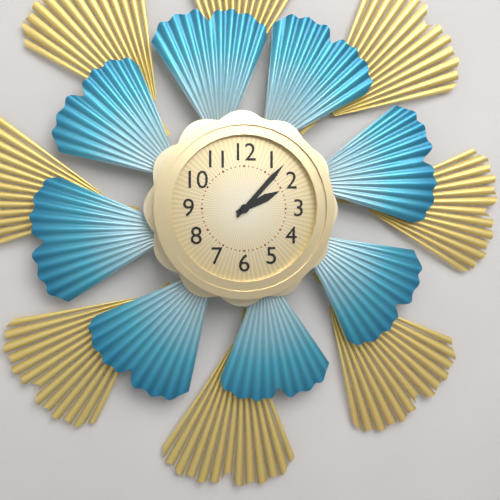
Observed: 2:07
